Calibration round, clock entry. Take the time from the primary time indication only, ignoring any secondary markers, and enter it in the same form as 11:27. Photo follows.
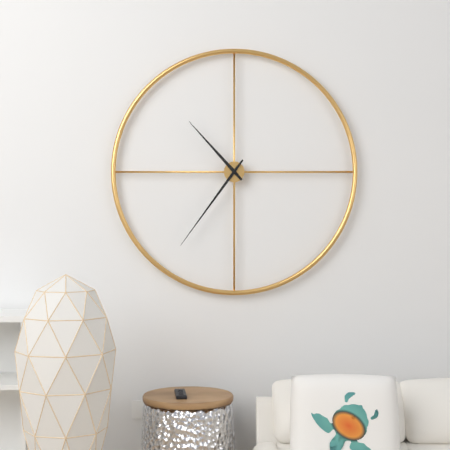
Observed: 10:36
